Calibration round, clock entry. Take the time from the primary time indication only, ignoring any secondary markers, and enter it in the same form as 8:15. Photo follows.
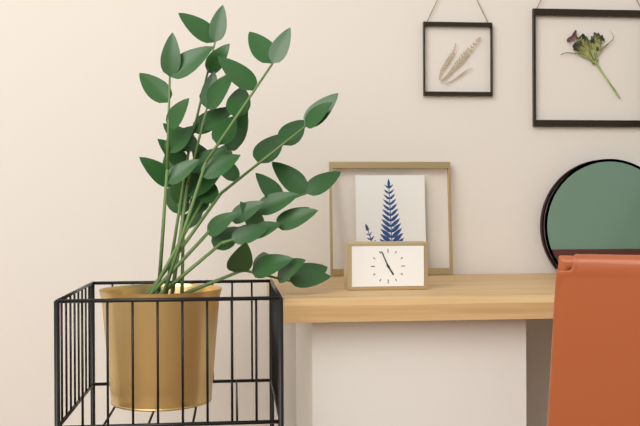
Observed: 4:56
